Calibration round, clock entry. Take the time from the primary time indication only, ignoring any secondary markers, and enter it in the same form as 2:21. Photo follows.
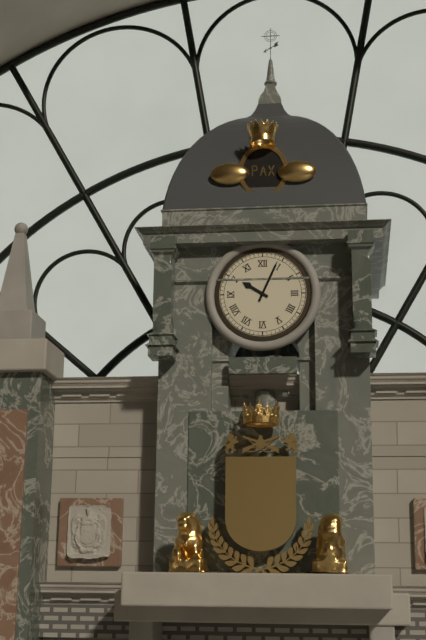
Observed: 10:04
